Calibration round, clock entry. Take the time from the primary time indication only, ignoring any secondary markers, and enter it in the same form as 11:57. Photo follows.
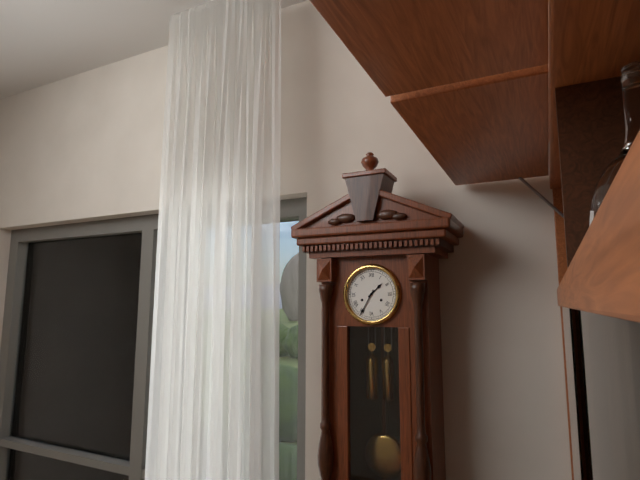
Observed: 1:35
